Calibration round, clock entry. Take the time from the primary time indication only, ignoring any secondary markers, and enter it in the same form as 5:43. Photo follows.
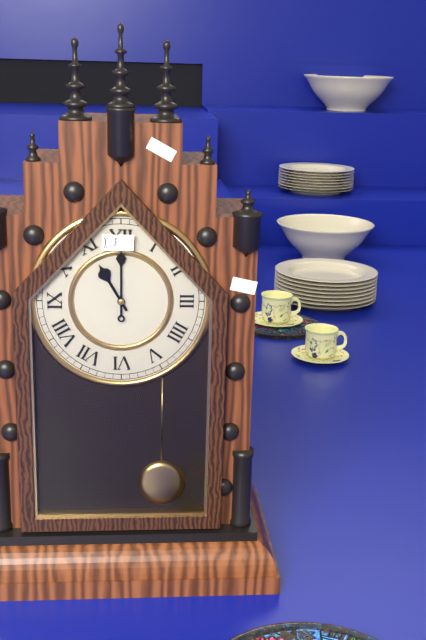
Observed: 11:00
